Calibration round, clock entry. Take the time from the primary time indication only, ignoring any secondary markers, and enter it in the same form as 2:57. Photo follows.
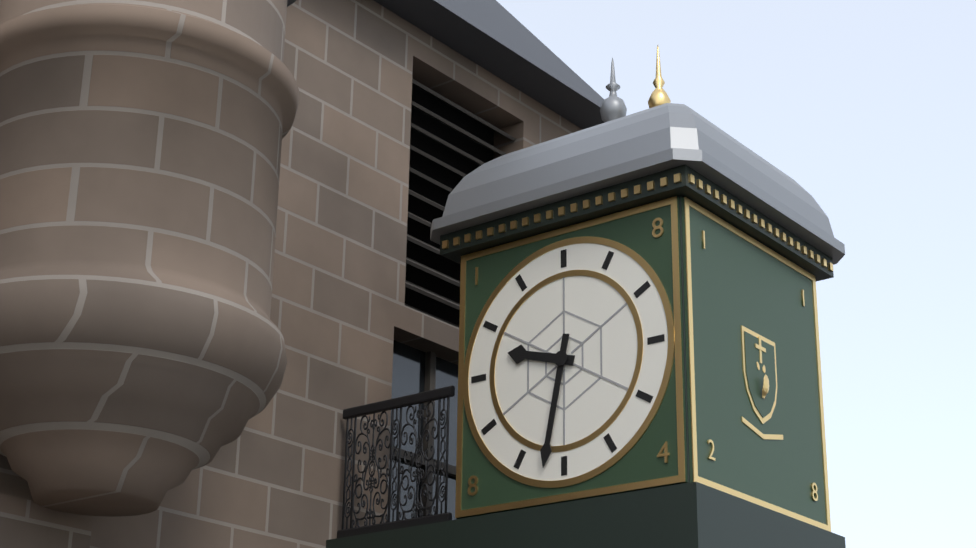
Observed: 9:32
